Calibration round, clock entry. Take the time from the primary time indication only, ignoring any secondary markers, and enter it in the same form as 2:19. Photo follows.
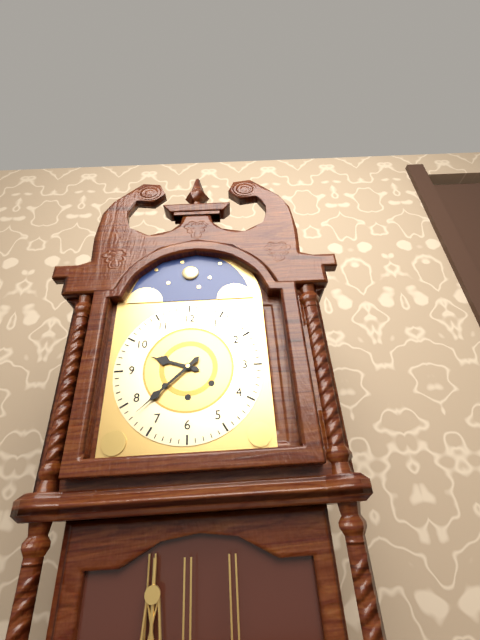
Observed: 9:38
